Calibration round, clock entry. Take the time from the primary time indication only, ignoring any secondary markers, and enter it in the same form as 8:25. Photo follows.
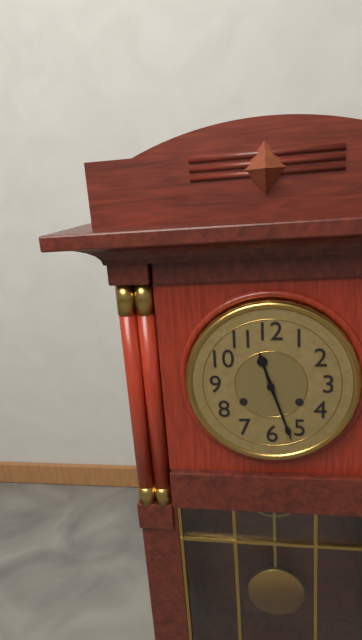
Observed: 11:27
